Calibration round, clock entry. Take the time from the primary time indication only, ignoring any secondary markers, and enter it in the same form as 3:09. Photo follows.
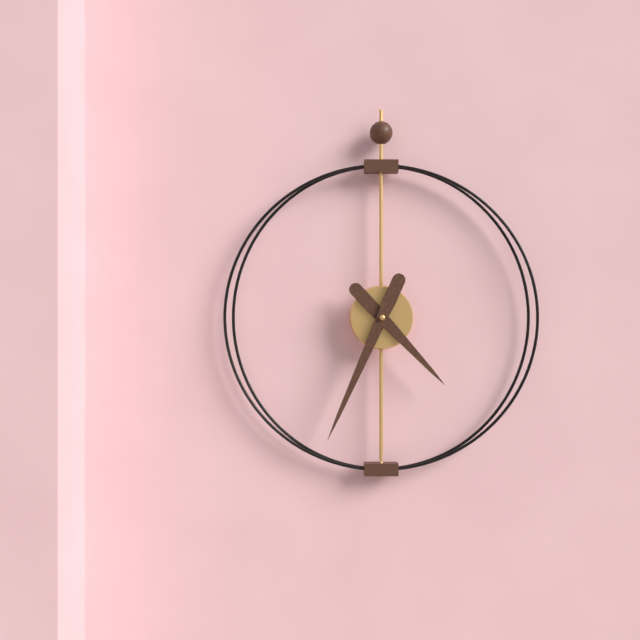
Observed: 4:34
